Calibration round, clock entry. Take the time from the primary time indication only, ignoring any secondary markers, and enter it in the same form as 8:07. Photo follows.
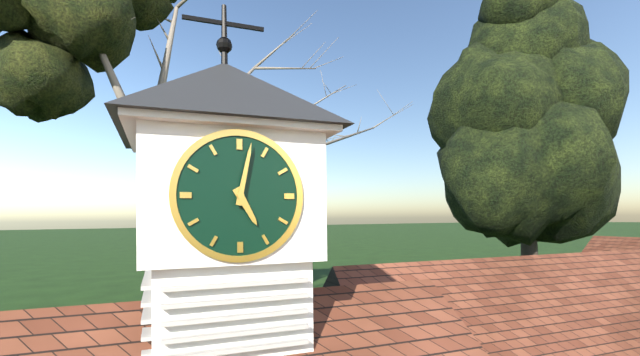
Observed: 5:02
